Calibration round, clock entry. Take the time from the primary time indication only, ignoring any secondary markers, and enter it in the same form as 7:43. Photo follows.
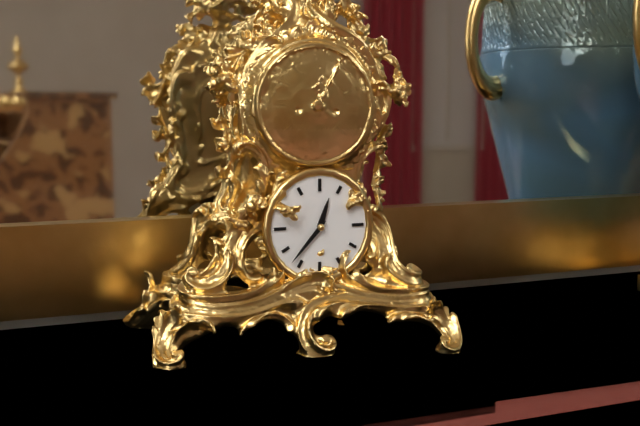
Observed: 12:37
